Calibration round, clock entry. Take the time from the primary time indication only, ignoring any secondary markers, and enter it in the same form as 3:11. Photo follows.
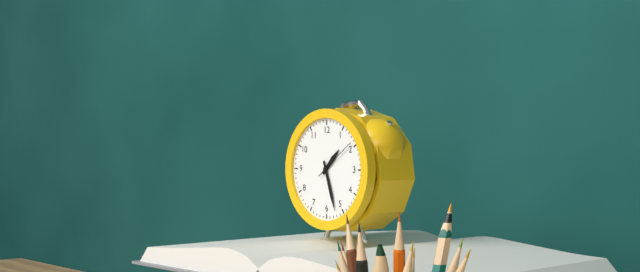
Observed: 1:27
